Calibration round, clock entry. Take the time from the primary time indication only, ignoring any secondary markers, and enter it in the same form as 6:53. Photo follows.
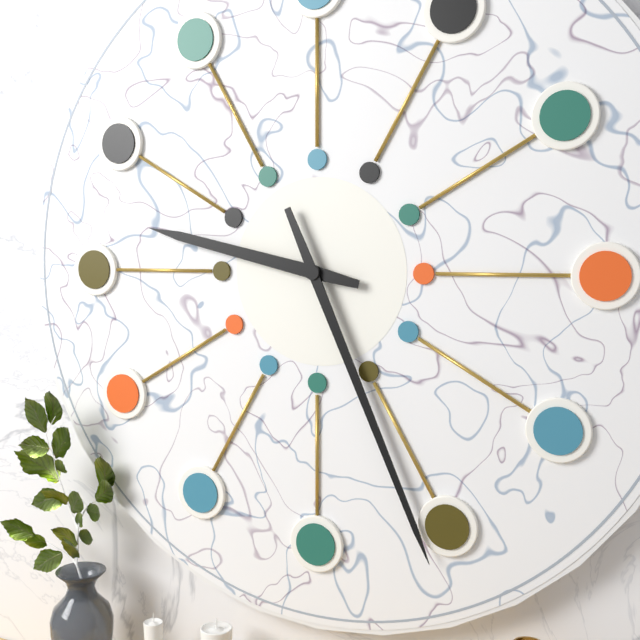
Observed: 9:26
